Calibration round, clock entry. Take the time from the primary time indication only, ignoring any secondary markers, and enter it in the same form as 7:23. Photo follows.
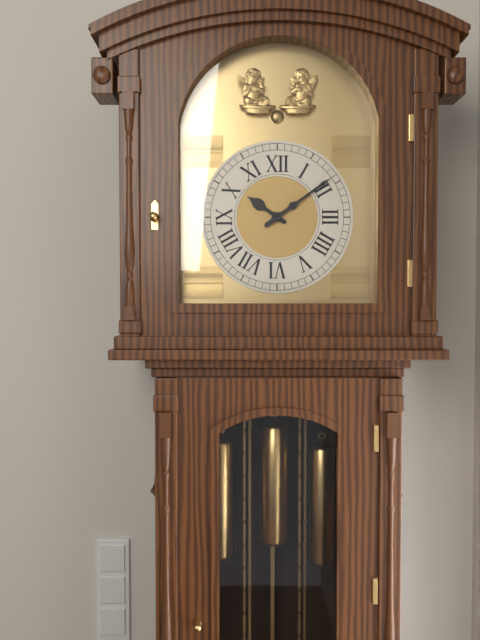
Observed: 10:09
